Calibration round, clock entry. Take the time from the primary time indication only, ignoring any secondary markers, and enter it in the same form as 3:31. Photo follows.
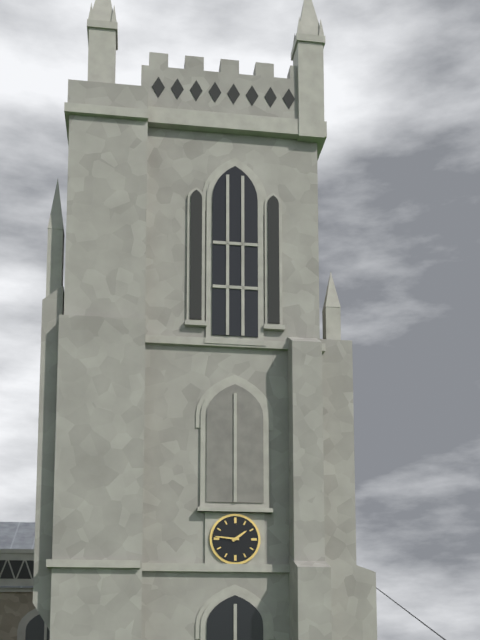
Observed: 1:46
